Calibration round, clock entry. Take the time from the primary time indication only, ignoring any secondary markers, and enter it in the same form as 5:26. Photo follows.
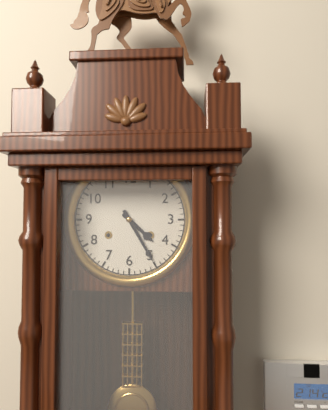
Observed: 4:25
